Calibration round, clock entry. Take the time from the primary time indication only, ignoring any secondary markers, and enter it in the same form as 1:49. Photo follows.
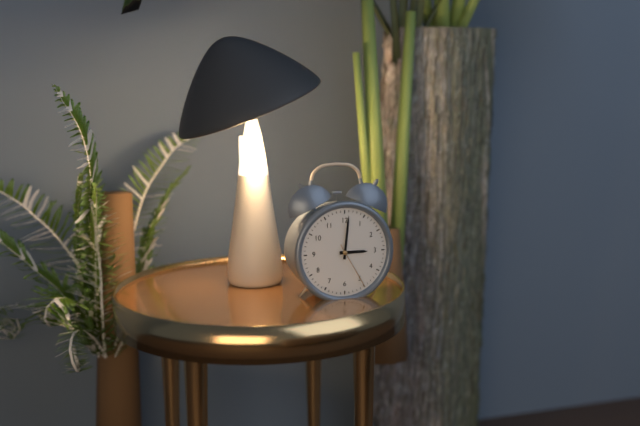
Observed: 3:01
